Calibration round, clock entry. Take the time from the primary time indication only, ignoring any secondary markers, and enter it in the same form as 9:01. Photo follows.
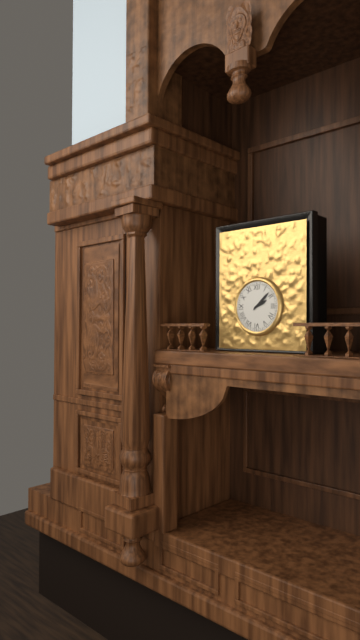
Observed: 2:08
